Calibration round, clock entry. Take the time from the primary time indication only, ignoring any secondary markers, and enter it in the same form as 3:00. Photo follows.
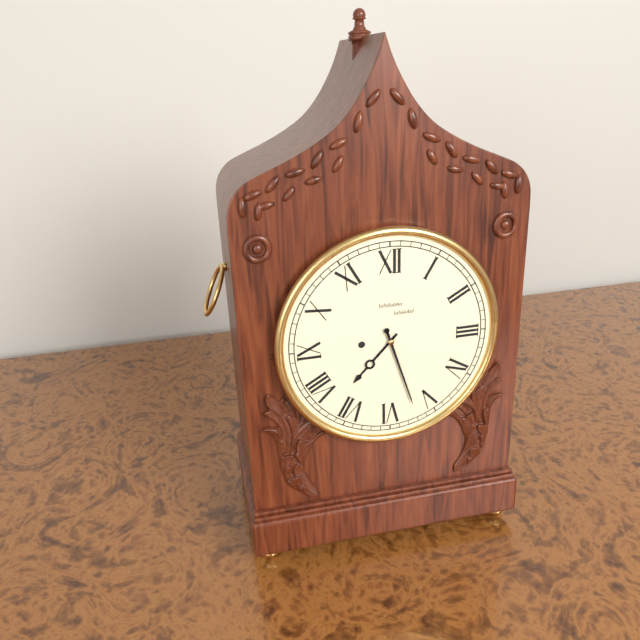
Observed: 7:27
